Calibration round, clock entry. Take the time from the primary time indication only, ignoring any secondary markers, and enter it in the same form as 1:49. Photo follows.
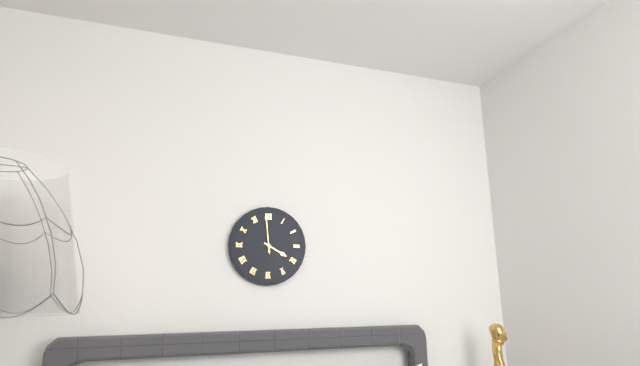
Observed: 3:59
